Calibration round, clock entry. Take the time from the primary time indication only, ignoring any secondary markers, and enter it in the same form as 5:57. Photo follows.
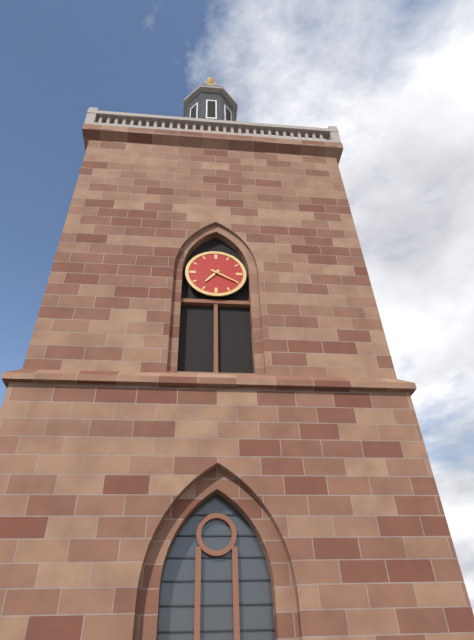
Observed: 7:20
